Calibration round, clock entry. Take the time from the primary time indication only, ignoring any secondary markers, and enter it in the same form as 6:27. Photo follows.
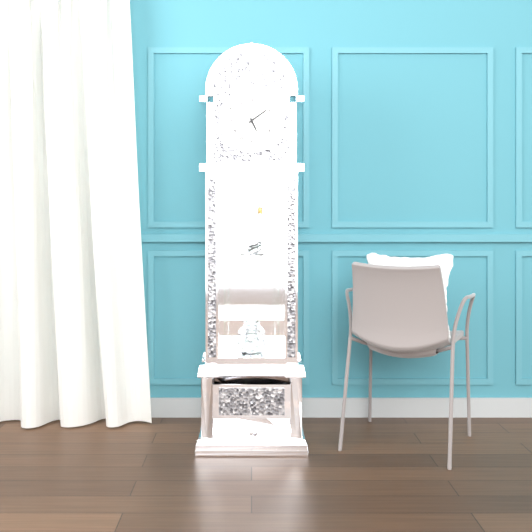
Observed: 5:09
